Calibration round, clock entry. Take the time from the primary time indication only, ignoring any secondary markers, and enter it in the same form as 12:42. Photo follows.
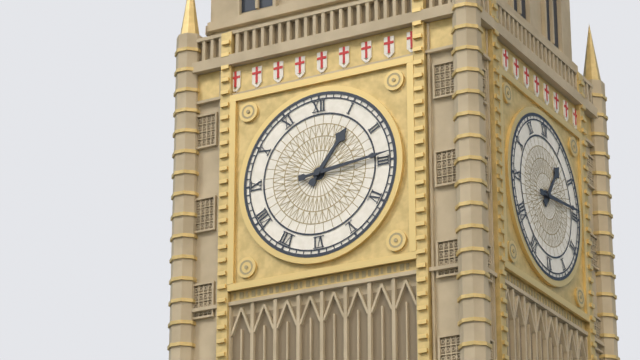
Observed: 1:14
